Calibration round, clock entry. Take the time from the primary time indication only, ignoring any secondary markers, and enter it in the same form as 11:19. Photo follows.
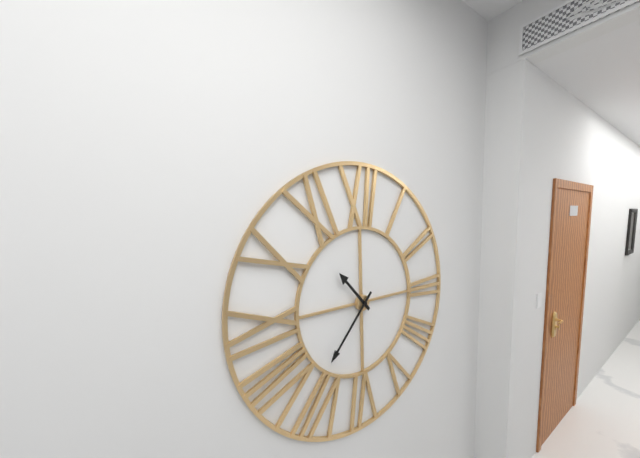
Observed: 10:37
